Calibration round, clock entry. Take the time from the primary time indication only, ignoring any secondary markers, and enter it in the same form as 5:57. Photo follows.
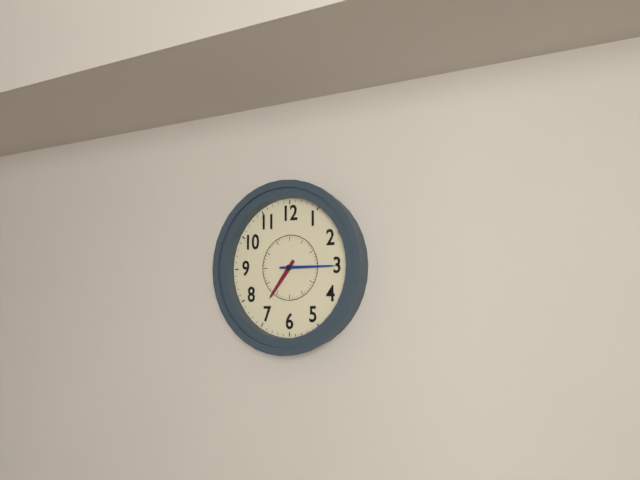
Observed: 7:15
